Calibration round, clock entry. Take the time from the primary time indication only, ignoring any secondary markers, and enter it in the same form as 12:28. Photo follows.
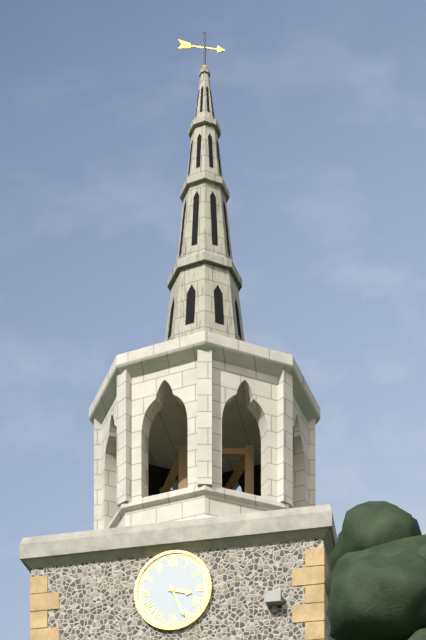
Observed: 3:26
